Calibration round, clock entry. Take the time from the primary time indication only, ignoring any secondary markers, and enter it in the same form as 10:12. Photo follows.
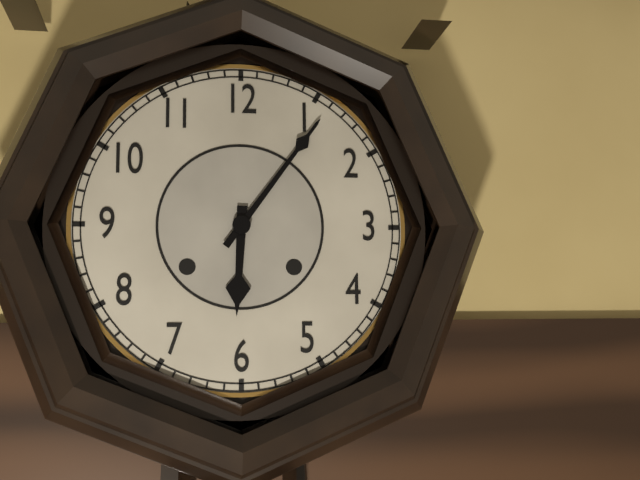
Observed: 6:06
